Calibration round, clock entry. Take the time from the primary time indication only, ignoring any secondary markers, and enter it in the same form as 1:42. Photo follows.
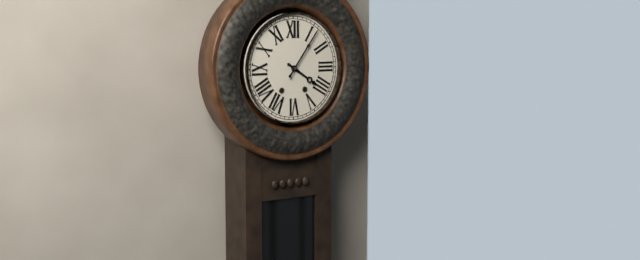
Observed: 4:06
